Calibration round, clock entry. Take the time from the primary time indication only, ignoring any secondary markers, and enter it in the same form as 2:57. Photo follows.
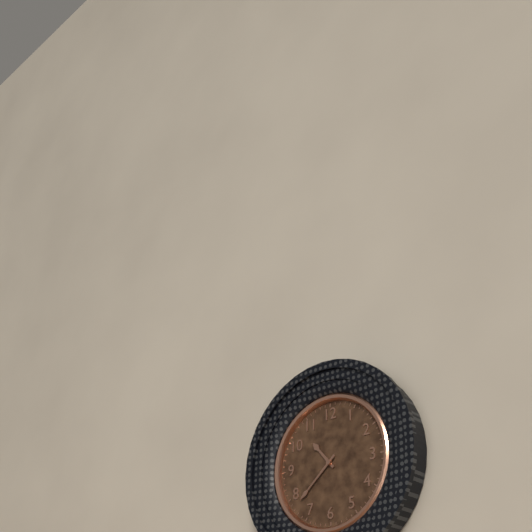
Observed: 10:38
